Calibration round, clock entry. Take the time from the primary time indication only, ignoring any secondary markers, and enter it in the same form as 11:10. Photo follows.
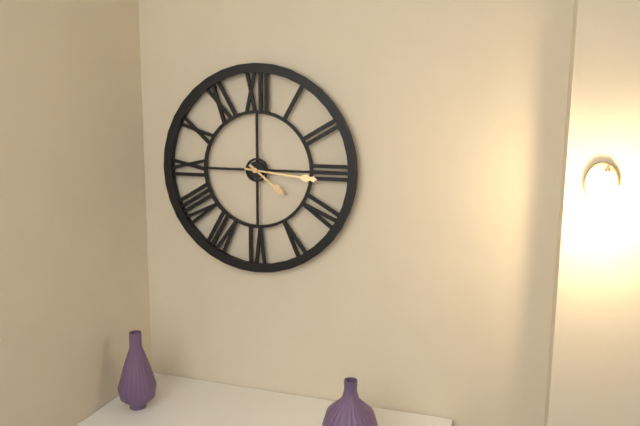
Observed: 4:16
